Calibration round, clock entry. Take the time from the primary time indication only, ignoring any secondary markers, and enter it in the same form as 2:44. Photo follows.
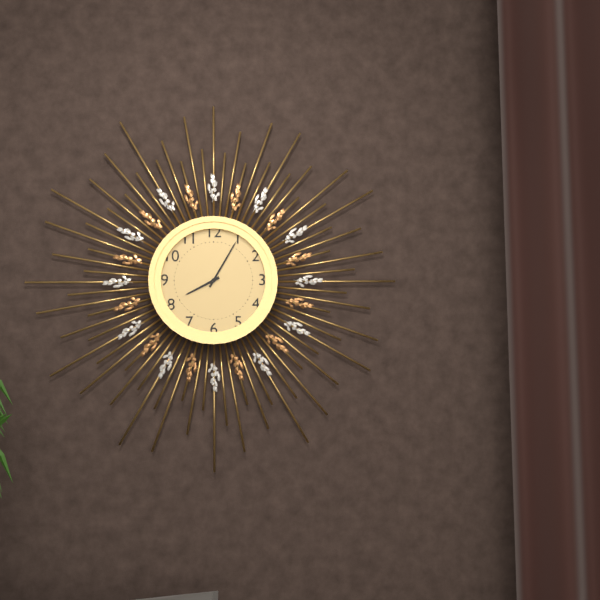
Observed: 8:05
